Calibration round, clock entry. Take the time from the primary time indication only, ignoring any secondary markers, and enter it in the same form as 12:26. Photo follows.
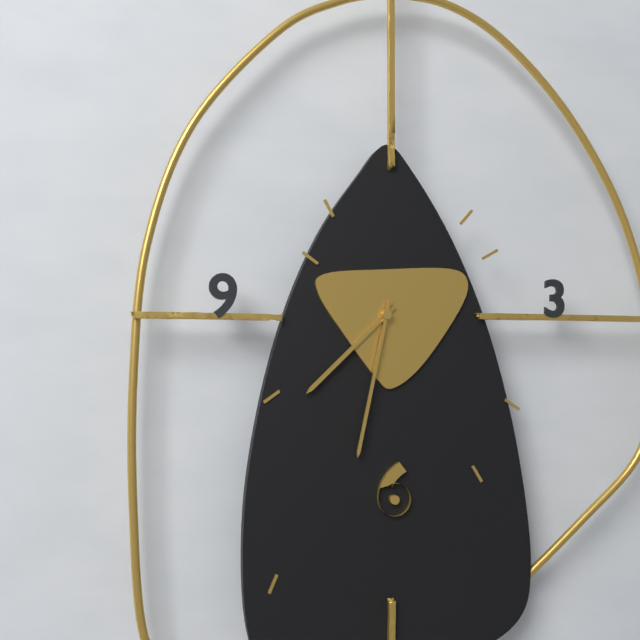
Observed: 7:32
